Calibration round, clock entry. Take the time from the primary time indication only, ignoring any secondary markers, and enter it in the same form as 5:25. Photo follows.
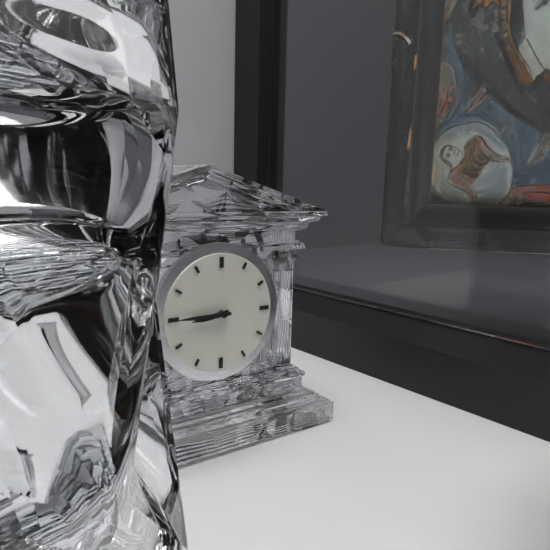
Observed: 8:45
